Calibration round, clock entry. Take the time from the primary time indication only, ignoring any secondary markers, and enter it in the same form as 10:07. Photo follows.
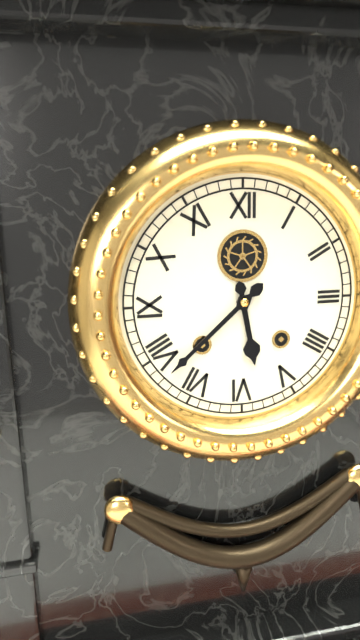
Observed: 5:38
